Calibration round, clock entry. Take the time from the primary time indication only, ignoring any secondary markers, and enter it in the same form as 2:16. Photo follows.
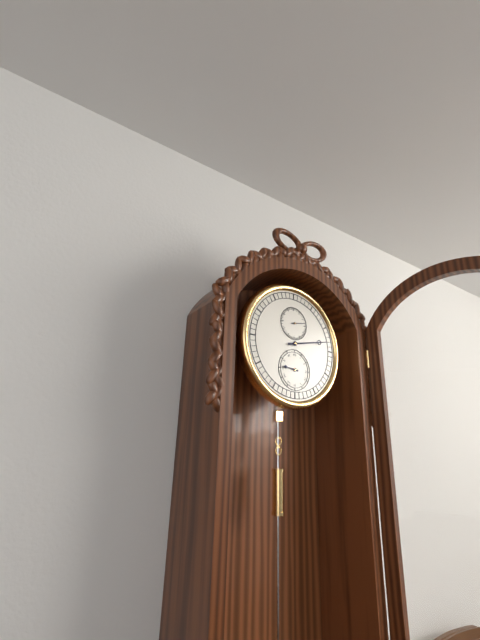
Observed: 9:13
